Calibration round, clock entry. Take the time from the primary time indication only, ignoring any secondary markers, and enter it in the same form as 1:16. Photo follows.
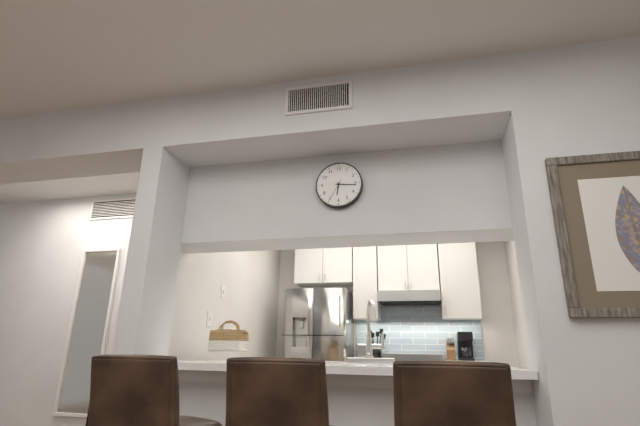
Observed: 6:16
